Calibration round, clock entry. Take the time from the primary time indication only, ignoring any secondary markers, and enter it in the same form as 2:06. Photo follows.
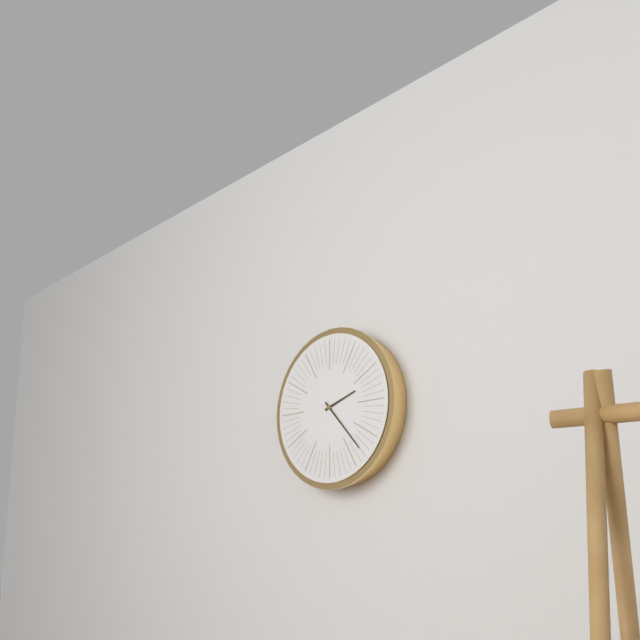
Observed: 2:23
